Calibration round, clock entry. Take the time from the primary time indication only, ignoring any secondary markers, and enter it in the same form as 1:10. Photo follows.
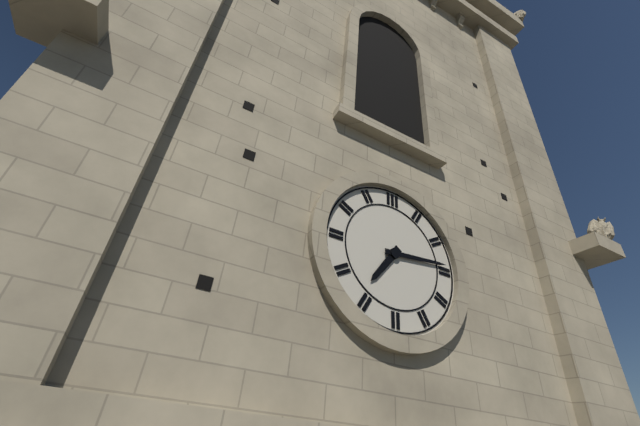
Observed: 7:14
